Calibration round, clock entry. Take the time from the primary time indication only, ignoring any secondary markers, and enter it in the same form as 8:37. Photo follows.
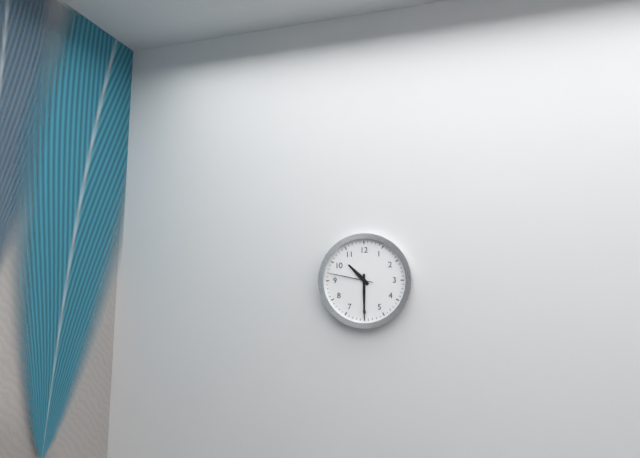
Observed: 10:30
